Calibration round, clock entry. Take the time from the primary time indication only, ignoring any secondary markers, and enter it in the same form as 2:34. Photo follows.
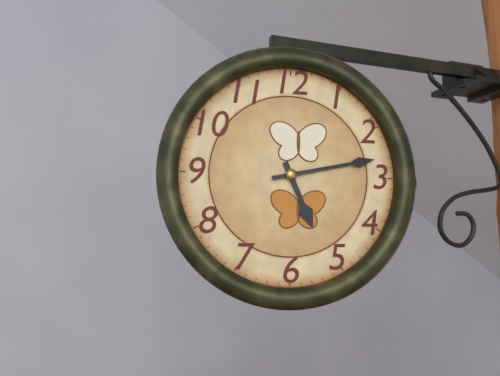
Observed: 5:13
